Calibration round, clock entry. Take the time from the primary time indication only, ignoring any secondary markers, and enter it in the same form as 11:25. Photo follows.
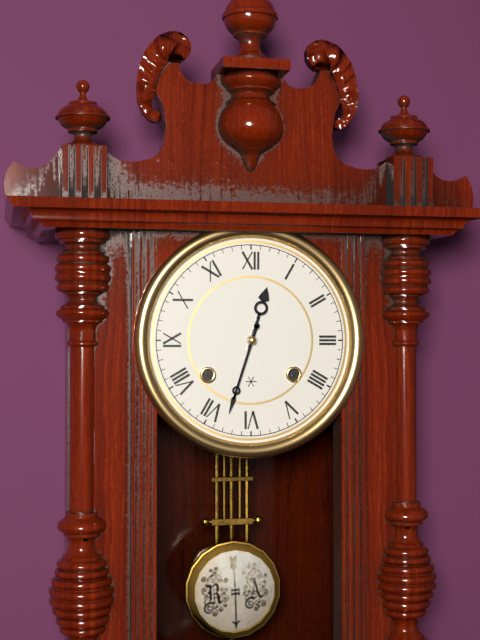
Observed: 12:33
